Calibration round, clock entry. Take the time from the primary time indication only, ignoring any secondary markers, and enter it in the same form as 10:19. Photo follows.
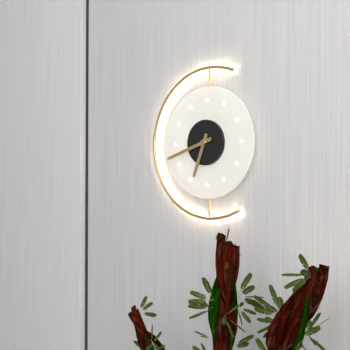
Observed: 6:42
